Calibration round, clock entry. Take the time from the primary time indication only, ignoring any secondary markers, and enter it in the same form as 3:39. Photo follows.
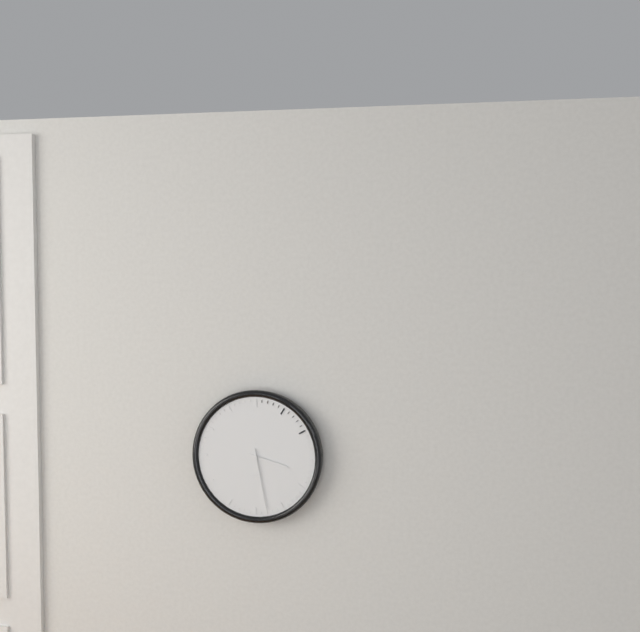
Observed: 3:28
